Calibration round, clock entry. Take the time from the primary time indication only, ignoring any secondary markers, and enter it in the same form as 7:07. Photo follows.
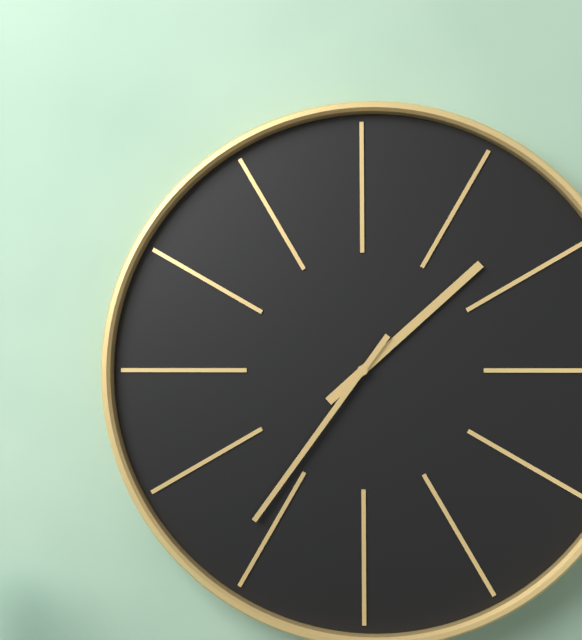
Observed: 1:36
